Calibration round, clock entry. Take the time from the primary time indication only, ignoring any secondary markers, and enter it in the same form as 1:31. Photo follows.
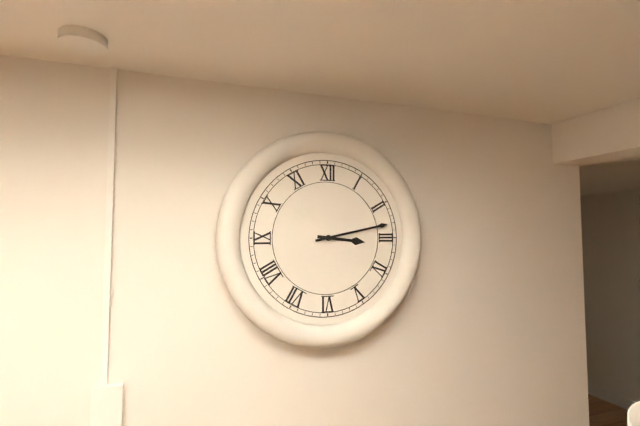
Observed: 3:13
